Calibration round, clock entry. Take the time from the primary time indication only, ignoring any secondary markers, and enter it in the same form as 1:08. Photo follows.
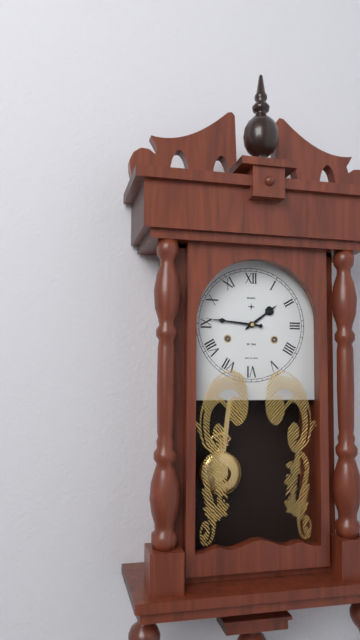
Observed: 1:46
